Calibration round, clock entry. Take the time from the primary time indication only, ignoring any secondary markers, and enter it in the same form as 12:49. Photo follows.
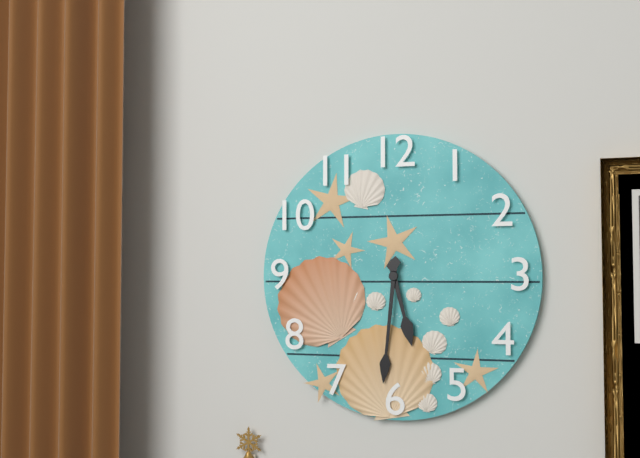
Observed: 5:31
